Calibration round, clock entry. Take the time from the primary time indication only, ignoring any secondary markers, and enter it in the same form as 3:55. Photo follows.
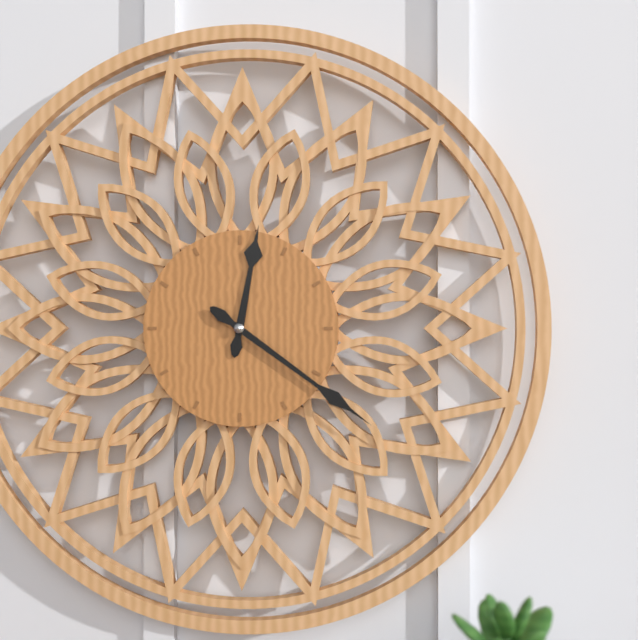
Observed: 12:21
